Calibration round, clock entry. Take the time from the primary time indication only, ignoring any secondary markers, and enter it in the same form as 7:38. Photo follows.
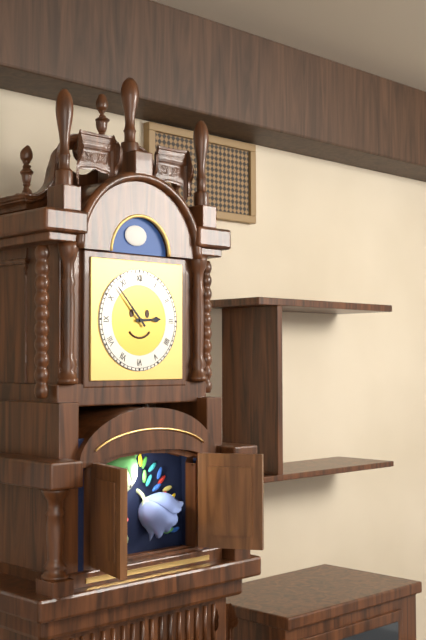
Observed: 2:53
